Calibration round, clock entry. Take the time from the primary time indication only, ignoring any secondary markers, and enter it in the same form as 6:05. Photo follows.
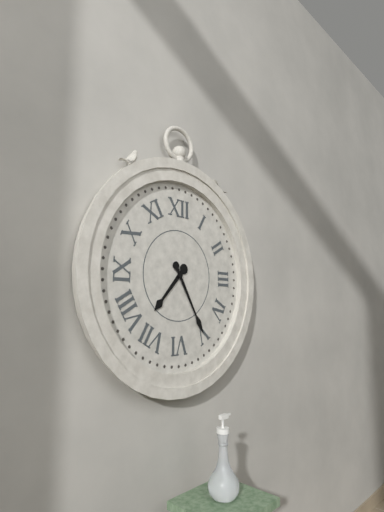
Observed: 7:25
